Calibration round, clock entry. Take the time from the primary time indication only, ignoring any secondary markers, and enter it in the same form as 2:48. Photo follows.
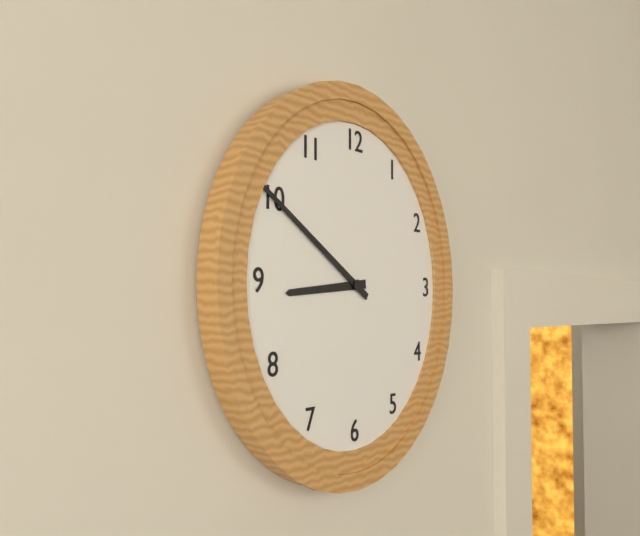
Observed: 8:50
